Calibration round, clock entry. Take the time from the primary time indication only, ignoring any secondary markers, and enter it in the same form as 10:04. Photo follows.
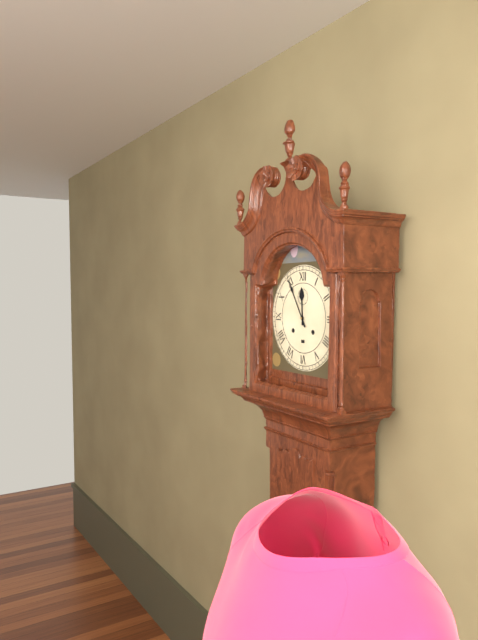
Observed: 11:55
